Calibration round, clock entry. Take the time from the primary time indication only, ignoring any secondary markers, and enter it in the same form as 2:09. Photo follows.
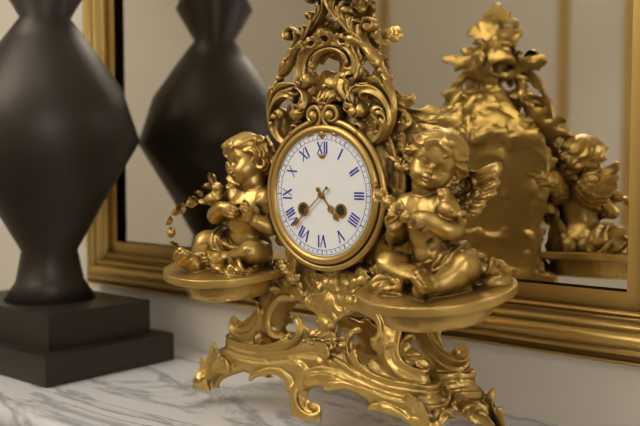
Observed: 4:38
